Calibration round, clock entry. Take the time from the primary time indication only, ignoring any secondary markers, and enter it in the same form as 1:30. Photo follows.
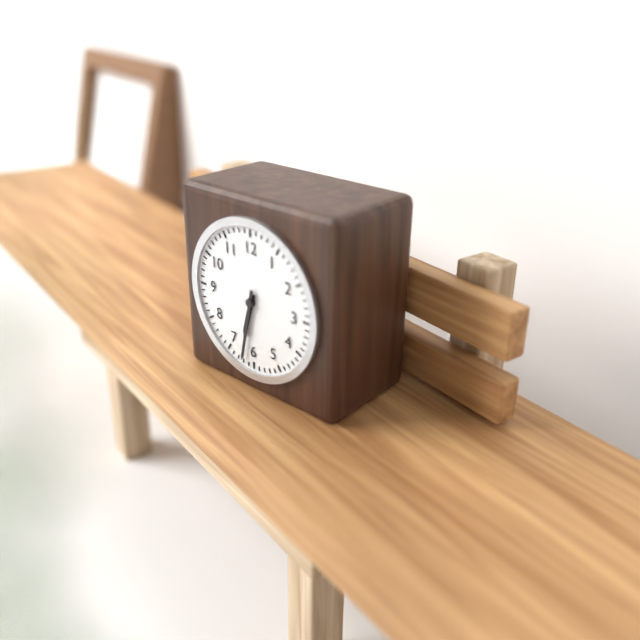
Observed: 6:32
